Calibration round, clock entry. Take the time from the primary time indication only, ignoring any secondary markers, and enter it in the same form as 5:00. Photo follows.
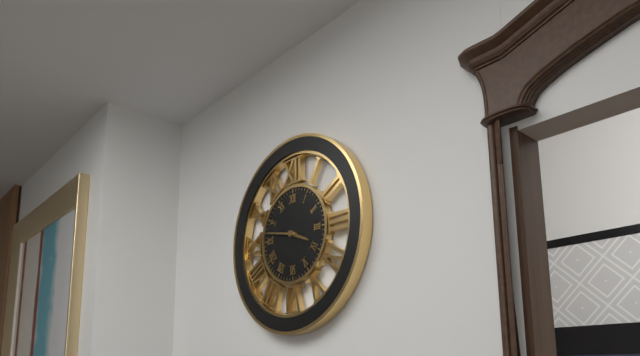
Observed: 3:47
